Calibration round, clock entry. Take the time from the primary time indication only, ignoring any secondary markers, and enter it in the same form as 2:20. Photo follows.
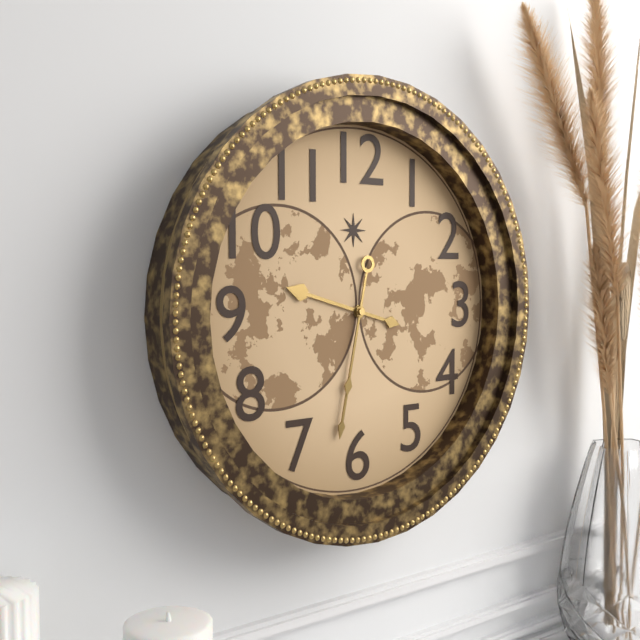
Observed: 9:32
